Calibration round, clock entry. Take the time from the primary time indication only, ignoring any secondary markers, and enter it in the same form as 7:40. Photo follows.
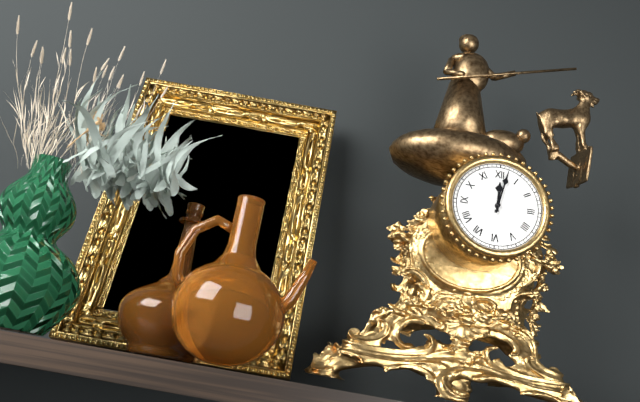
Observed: 12:02
